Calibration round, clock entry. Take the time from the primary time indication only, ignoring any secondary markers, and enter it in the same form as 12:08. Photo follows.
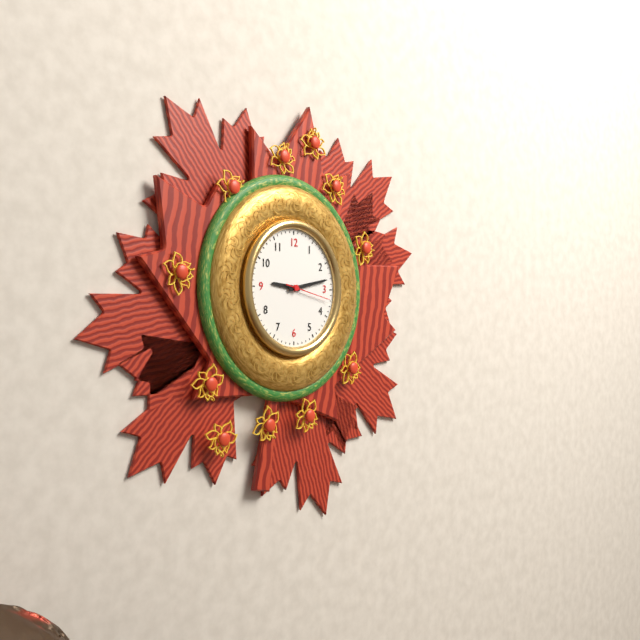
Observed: 9:13
